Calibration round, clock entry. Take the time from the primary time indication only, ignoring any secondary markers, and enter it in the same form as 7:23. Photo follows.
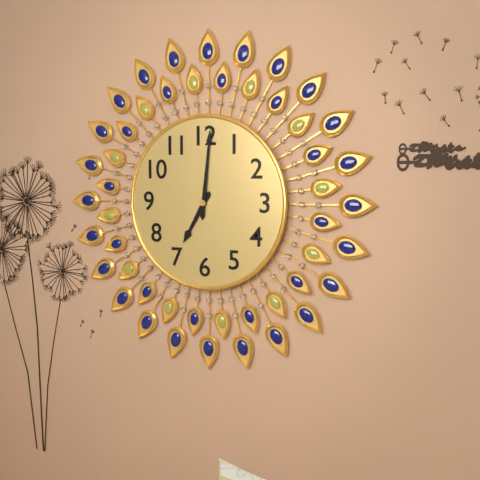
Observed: 7:01
